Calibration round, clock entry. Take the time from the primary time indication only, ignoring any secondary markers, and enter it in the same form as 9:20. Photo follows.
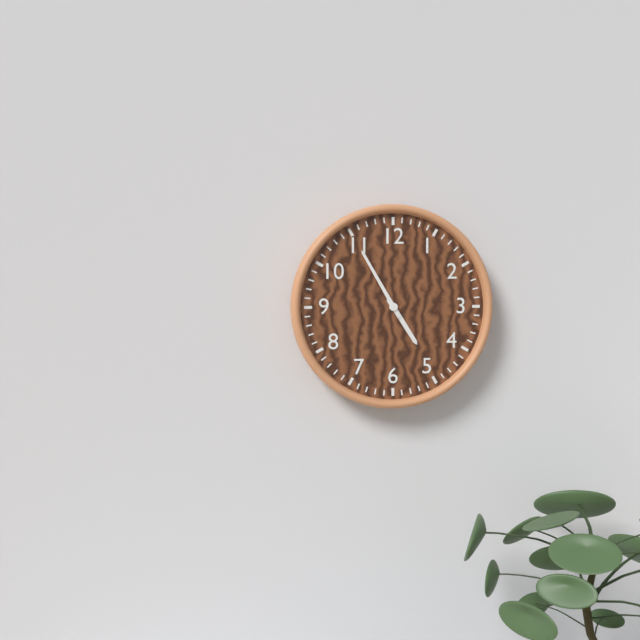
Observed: 4:55
